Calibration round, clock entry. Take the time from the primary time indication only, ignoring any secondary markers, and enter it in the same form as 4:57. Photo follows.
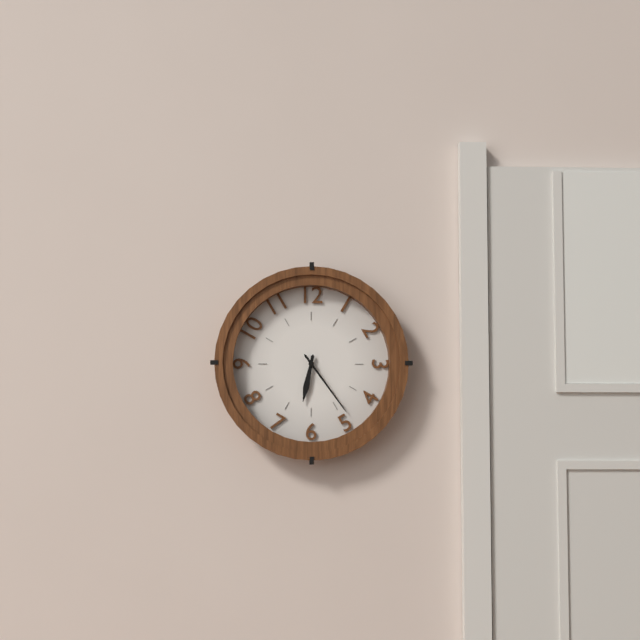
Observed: 6:24
